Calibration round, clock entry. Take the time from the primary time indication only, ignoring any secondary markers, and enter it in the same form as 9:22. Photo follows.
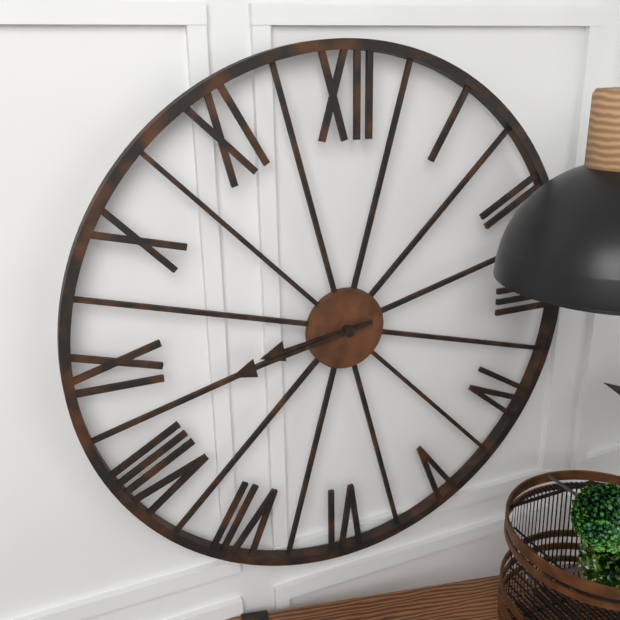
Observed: 8:43
